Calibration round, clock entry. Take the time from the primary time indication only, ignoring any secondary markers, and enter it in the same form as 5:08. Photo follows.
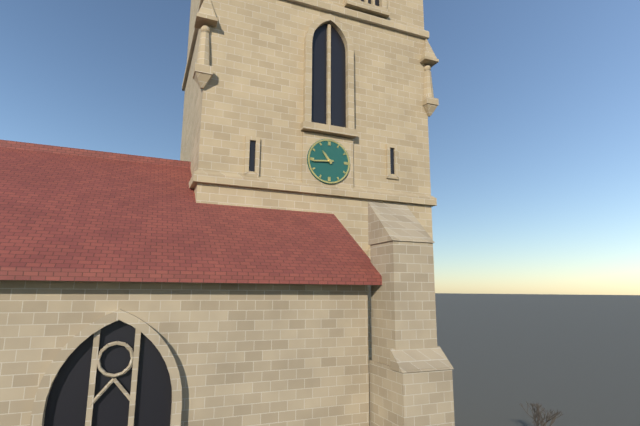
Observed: 10:44
